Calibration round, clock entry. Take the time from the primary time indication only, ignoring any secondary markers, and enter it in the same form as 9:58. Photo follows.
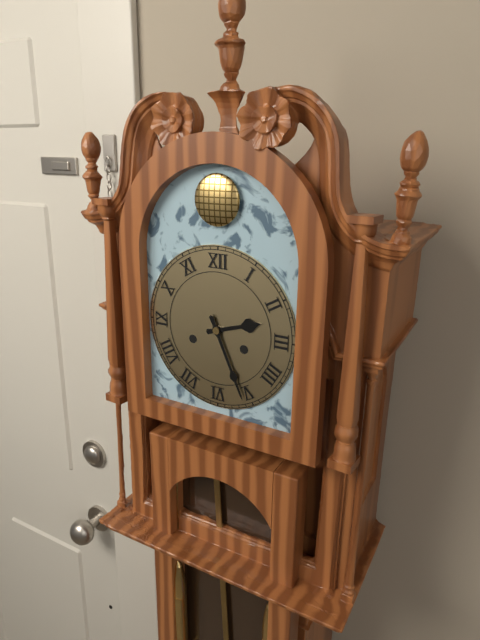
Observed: 2:26
